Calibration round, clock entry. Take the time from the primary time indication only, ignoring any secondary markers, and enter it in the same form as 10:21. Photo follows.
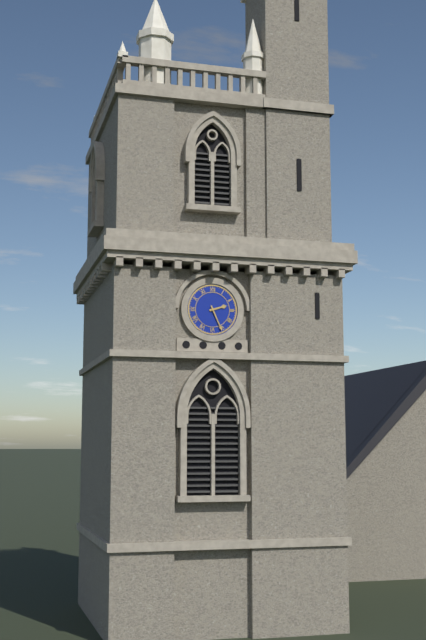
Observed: 2:26
